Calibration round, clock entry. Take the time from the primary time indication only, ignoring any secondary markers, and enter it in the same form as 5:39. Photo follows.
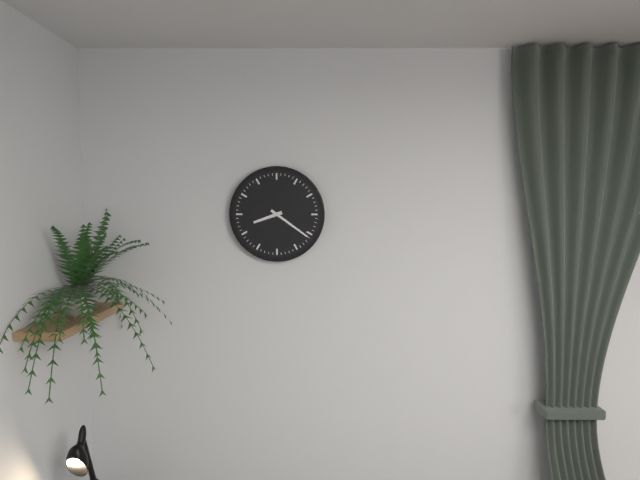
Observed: 8:21
